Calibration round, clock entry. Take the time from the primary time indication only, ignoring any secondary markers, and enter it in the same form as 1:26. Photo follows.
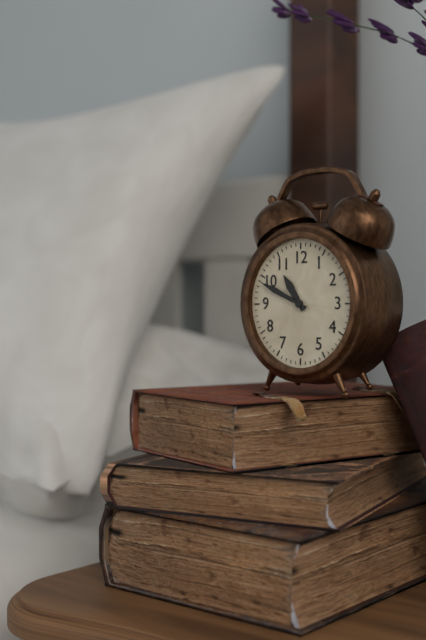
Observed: 10:49
